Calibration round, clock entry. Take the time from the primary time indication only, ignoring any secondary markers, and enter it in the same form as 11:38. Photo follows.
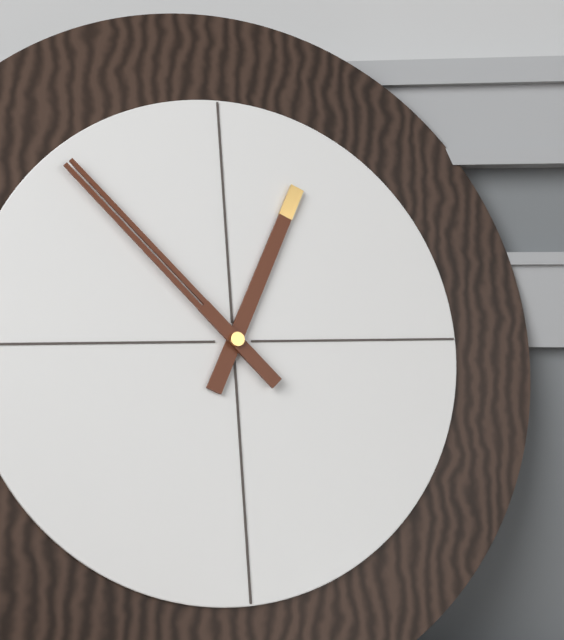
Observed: 12:53
